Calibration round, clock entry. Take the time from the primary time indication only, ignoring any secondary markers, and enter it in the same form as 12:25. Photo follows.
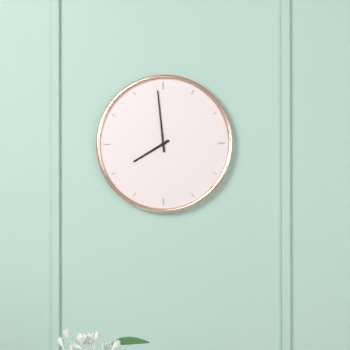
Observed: 7:59
